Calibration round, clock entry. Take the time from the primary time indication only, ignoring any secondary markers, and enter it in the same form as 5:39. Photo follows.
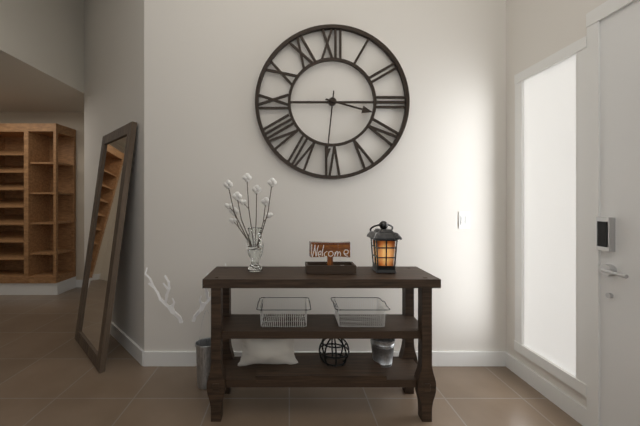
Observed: 3:31
